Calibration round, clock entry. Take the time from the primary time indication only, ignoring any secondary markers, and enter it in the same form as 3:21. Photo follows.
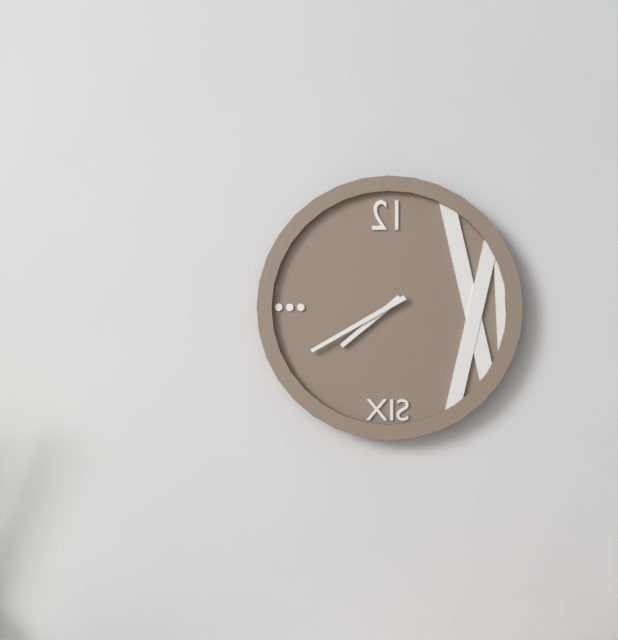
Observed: 7:40
